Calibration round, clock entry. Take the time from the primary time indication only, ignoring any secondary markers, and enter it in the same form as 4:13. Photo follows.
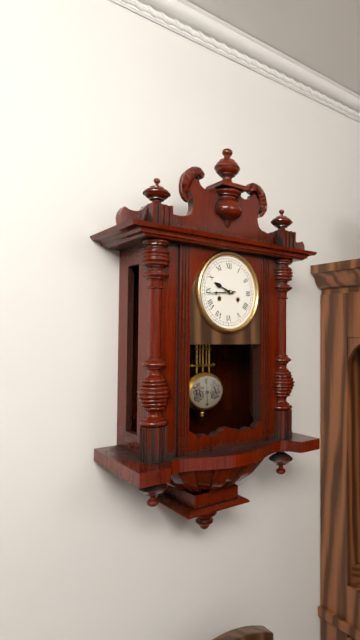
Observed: 9:44
